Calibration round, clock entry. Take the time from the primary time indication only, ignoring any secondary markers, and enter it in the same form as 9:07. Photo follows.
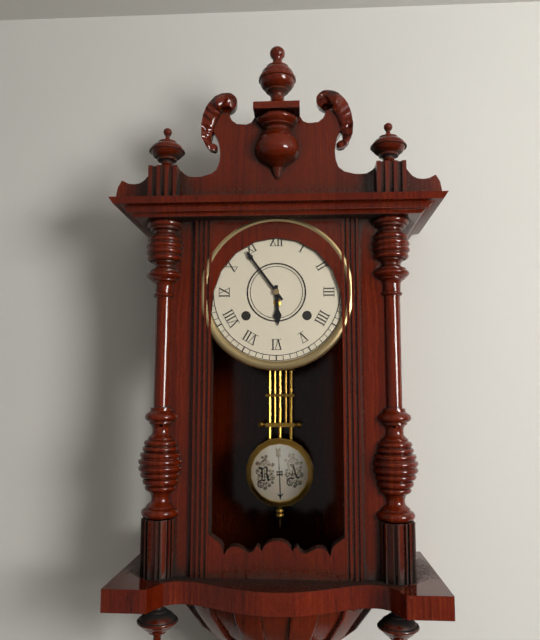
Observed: 5:54
